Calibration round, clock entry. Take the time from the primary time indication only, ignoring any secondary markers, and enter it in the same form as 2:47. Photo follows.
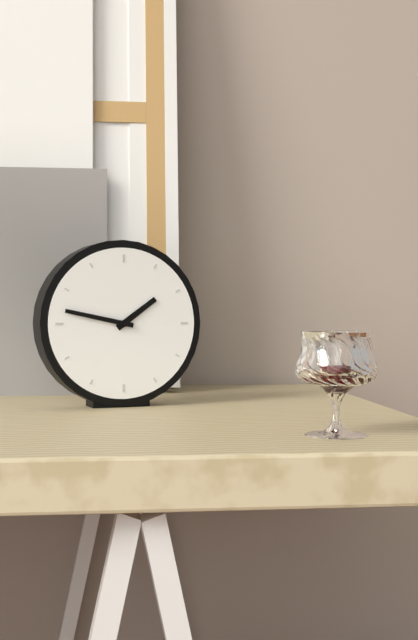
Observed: 1:47
